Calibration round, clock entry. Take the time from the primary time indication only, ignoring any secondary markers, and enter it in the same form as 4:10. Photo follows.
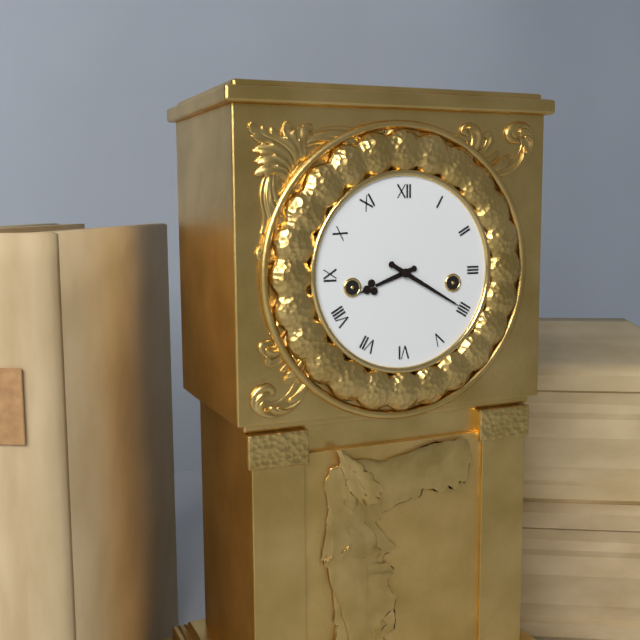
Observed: 8:20
